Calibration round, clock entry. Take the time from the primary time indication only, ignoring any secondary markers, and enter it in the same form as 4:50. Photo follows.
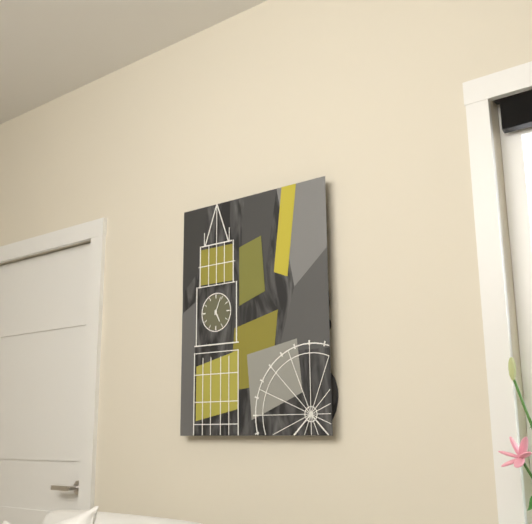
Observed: 5:04
